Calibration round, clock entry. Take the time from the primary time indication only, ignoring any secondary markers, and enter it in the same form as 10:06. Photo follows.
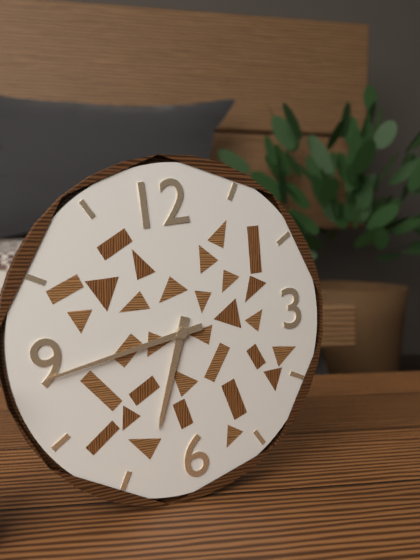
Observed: 6:44
